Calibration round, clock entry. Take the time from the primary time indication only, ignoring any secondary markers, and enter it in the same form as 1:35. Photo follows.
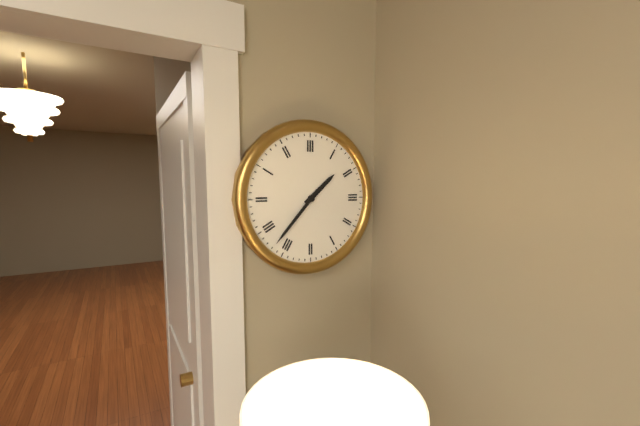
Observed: 1:37
